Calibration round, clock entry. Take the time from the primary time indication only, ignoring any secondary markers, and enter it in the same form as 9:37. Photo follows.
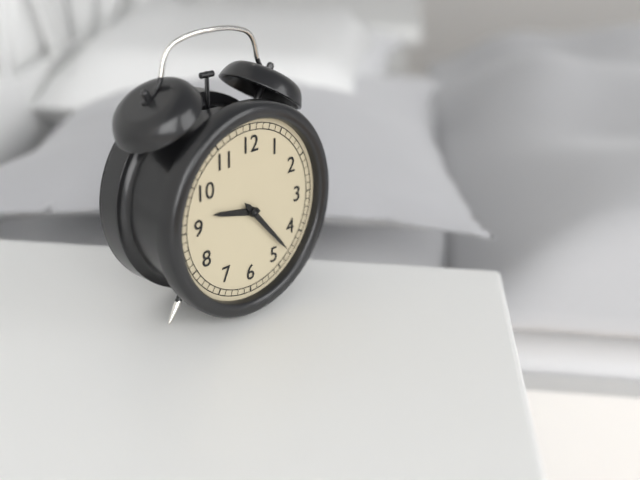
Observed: 9:23
